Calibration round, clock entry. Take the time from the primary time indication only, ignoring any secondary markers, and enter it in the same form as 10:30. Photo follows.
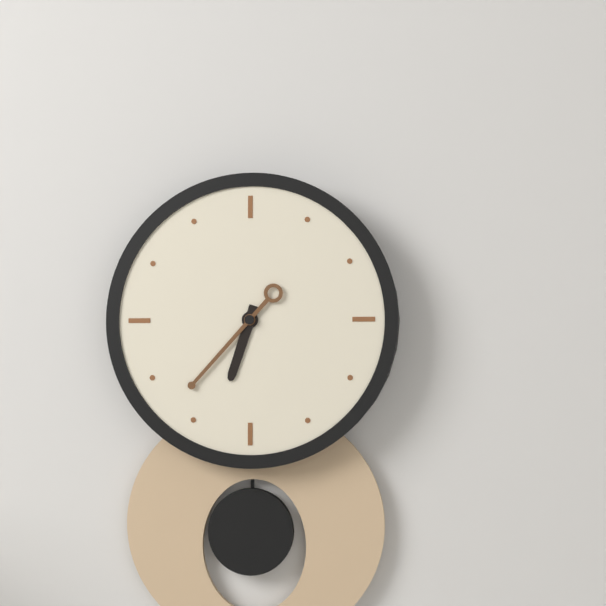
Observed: 6:37
